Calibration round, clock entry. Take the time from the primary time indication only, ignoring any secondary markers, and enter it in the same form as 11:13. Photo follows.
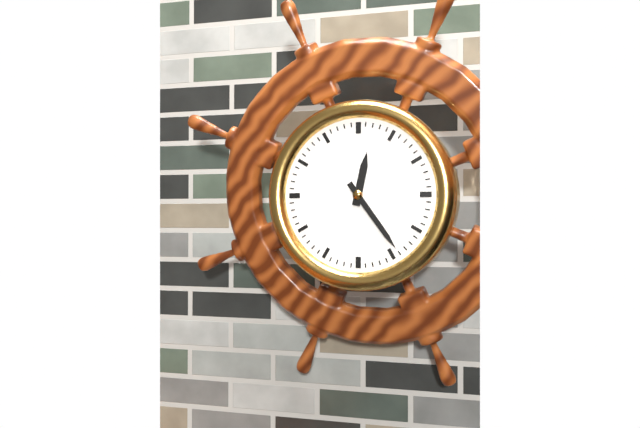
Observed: 12:24
